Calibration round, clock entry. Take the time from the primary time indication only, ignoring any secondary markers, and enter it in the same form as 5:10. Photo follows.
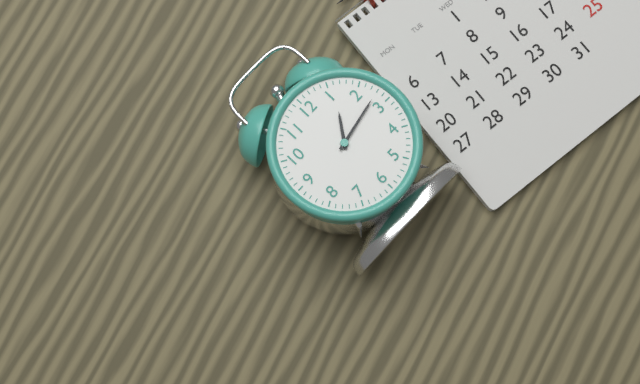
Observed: 1:13
